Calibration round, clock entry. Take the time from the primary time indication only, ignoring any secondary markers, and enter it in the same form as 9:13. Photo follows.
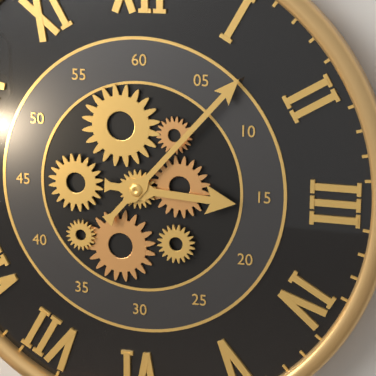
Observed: 3:07
